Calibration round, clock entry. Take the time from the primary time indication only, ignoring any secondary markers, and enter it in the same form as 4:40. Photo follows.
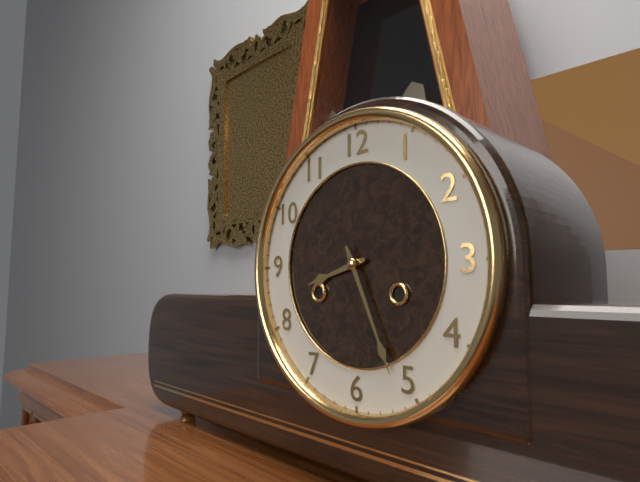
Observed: 8:26
